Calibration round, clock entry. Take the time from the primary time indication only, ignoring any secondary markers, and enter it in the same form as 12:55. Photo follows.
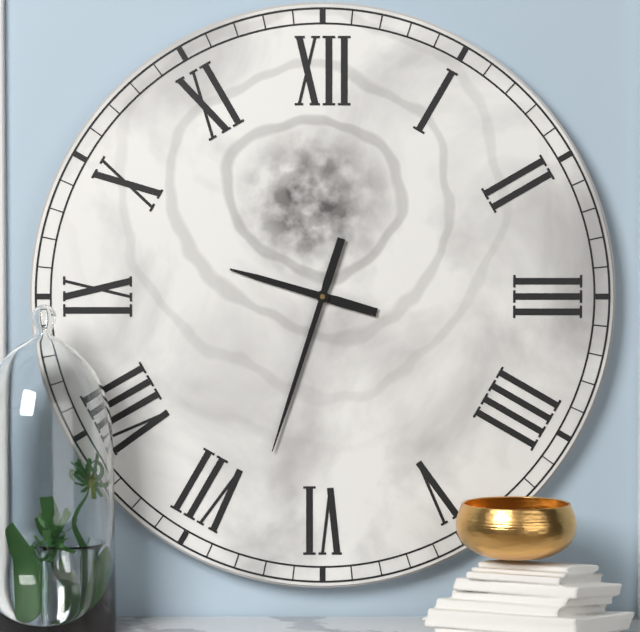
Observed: 9:33
